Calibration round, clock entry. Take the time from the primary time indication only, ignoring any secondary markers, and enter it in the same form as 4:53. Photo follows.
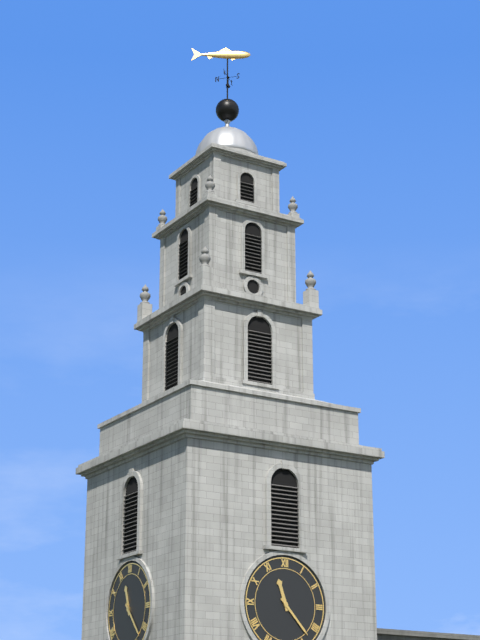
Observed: 11:23
